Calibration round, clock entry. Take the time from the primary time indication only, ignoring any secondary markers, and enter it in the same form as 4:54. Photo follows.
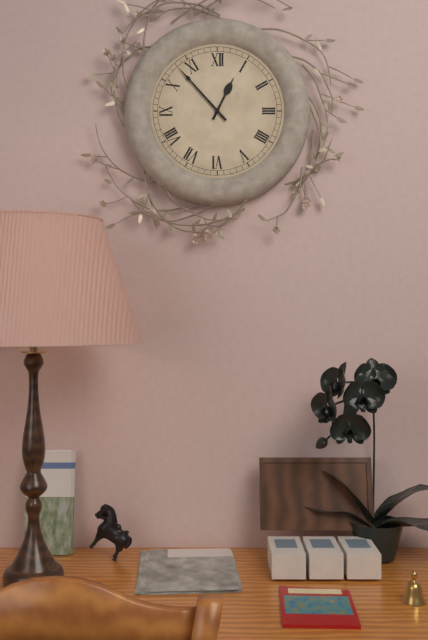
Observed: 12:53
